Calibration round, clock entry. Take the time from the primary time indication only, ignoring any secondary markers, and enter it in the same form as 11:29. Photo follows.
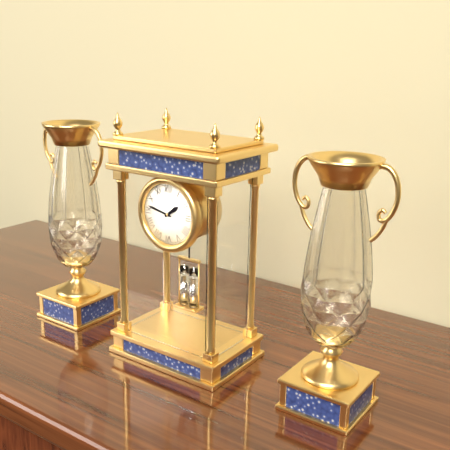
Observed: 1:47
